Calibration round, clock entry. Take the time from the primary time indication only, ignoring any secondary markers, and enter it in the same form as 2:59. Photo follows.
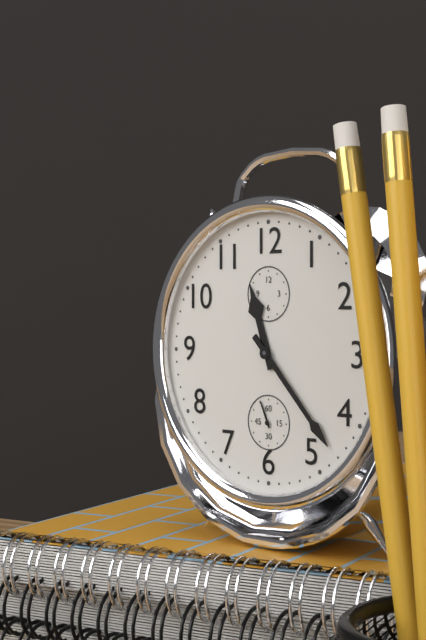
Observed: 11:23
